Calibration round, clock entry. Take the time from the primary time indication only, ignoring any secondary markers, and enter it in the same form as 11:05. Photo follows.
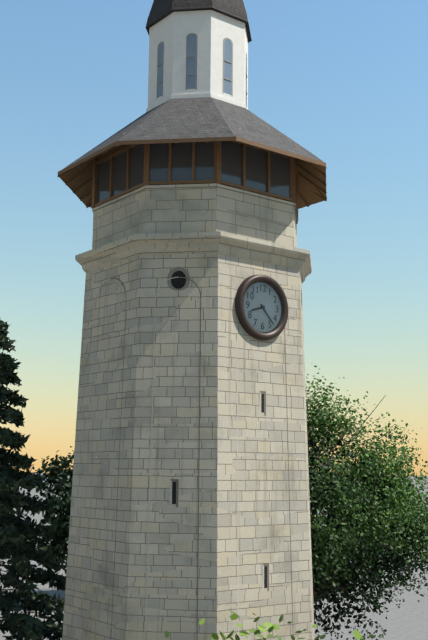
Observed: 8:23
